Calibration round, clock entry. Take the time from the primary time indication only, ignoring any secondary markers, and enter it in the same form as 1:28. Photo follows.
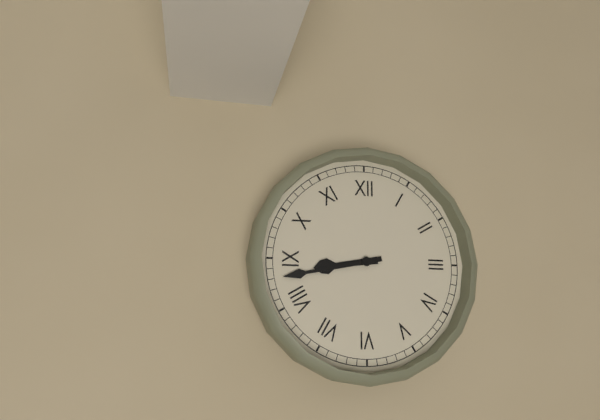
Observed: 8:43
